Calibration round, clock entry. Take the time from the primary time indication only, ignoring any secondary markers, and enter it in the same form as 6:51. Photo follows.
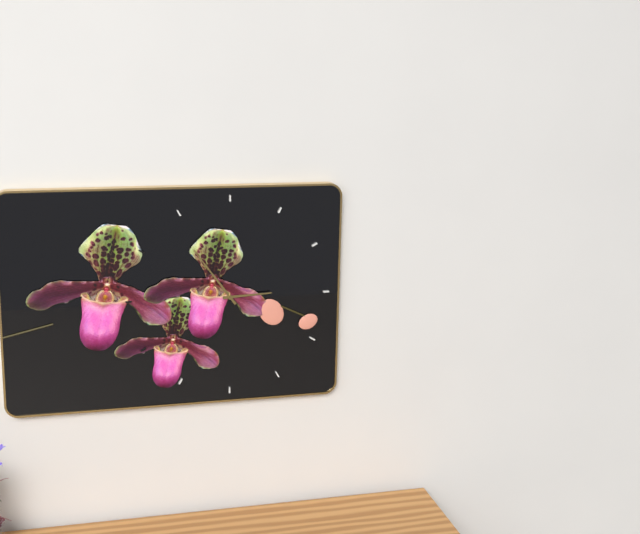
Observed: 2:54
